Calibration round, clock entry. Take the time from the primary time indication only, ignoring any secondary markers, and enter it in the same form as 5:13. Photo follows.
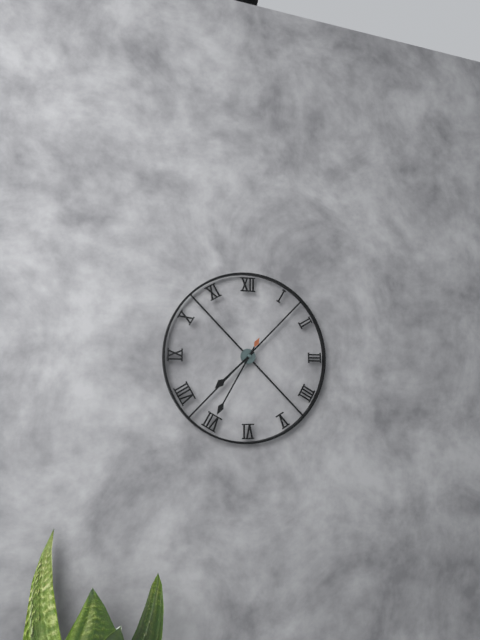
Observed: 7:35
